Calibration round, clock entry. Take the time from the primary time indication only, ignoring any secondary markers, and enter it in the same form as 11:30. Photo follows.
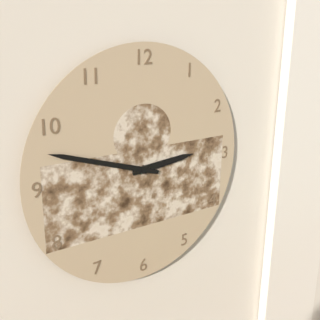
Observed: 2:48
